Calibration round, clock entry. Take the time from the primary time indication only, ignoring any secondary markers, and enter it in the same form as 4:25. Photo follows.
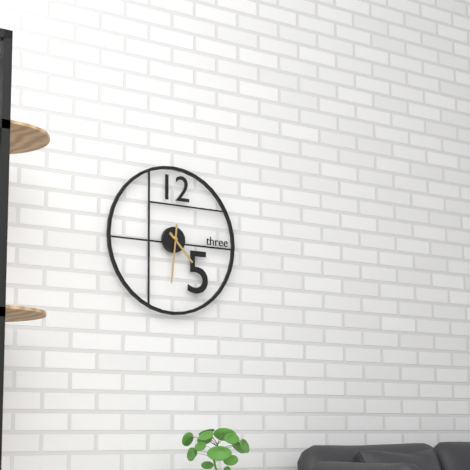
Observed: 4:31
